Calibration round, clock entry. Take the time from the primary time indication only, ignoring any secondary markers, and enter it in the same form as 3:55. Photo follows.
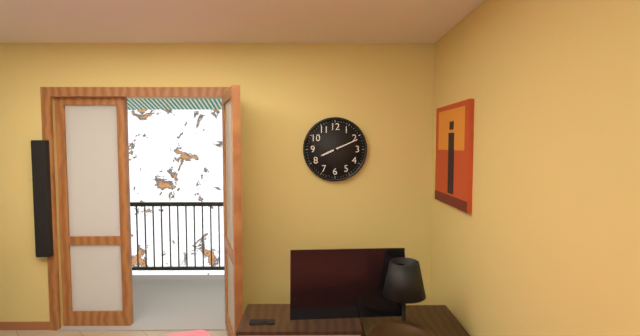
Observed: 8:11
